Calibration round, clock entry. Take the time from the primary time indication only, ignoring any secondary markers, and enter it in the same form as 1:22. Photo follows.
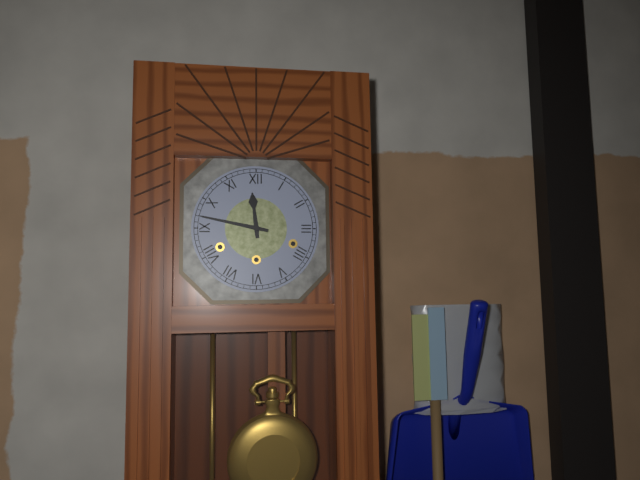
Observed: 11:47
